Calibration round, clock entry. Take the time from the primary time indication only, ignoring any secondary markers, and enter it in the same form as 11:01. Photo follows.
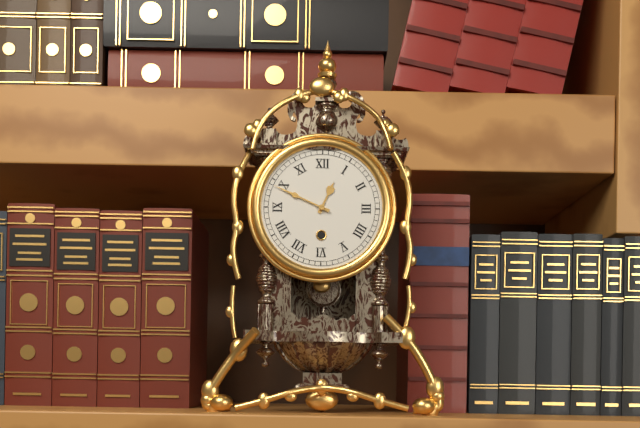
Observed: 12:49
